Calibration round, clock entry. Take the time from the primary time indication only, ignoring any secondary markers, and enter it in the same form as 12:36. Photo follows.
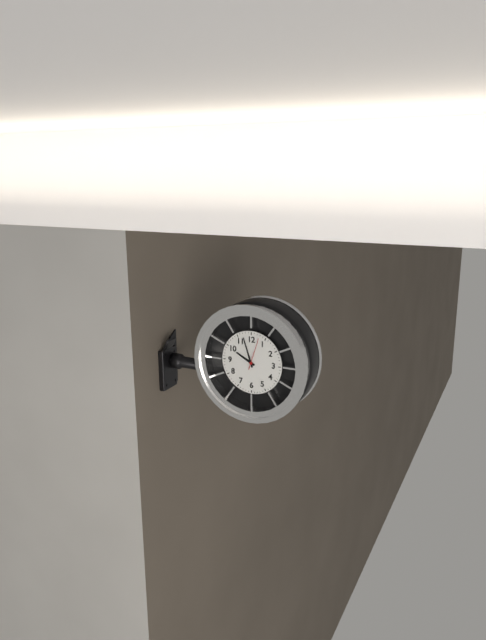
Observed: 9:57
